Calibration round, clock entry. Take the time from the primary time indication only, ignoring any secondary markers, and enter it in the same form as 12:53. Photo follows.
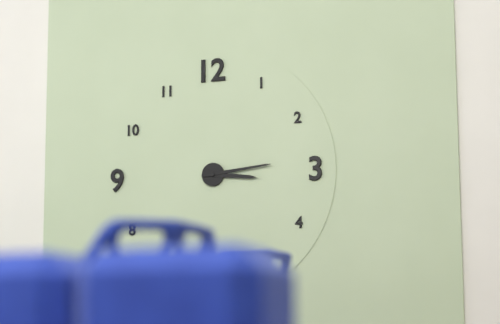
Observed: 3:14
